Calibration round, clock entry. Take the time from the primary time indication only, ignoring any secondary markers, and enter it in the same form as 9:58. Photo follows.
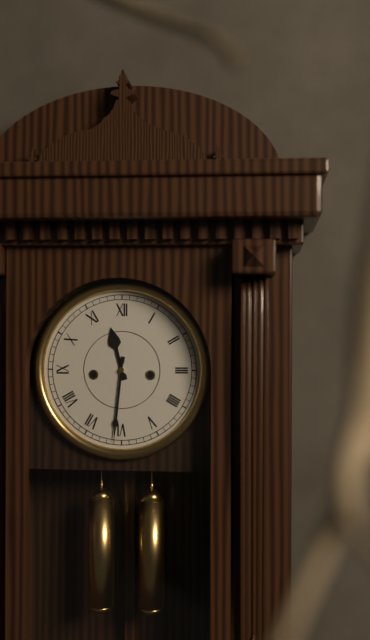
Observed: 11:31
